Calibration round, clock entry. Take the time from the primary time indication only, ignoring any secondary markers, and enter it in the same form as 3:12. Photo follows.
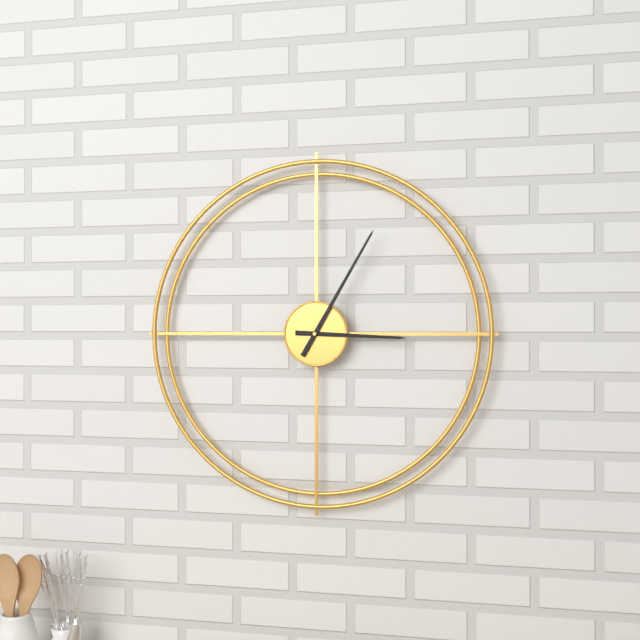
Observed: 3:05
